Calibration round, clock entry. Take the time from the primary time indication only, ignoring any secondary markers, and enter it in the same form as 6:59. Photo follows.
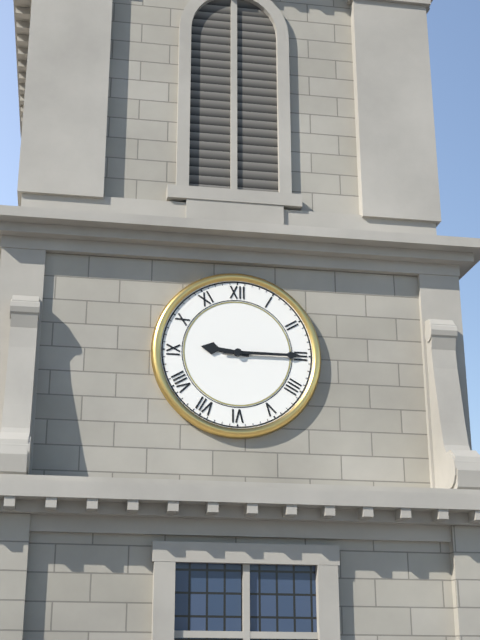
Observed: 9:15
